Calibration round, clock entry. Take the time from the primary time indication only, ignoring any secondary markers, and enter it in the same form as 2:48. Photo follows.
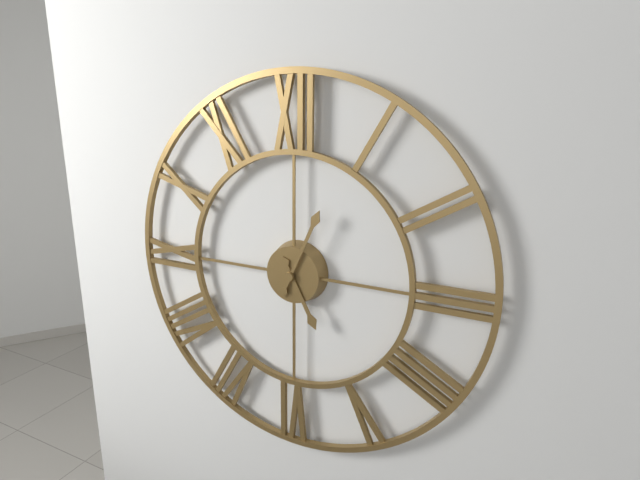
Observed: 5:04
